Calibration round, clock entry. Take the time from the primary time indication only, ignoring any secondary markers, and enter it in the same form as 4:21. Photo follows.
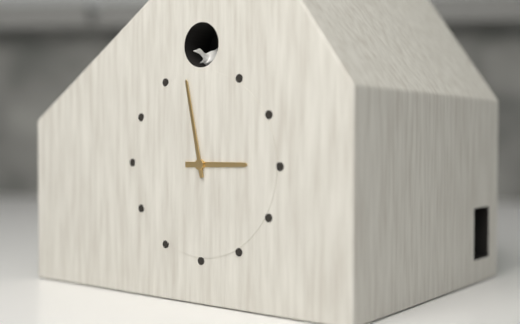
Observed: 2:58
